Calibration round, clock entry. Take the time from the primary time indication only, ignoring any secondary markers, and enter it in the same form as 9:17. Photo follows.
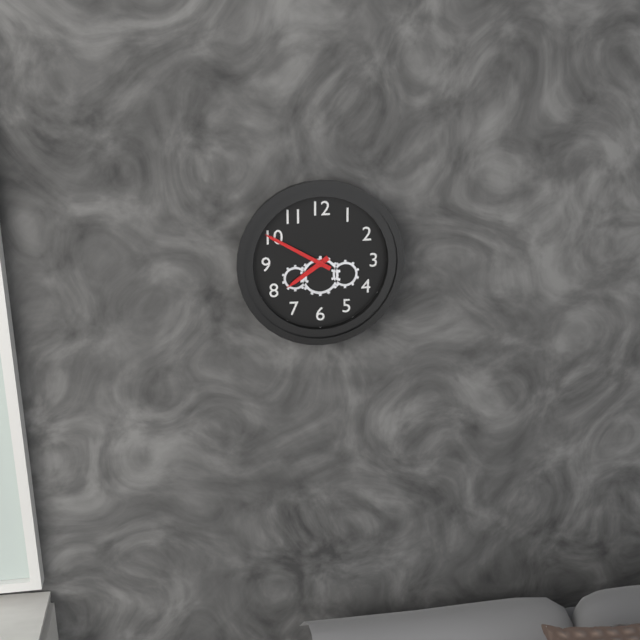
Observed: 7:50
